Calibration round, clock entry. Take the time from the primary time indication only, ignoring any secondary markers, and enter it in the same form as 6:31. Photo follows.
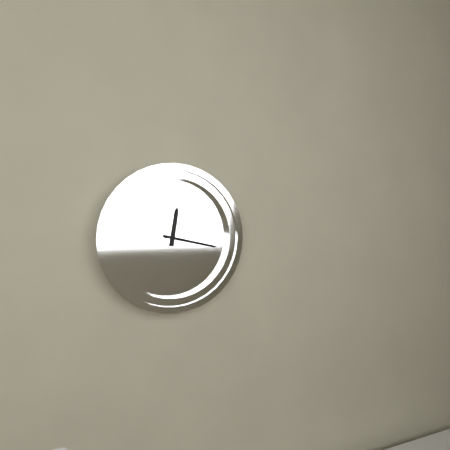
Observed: 12:17
